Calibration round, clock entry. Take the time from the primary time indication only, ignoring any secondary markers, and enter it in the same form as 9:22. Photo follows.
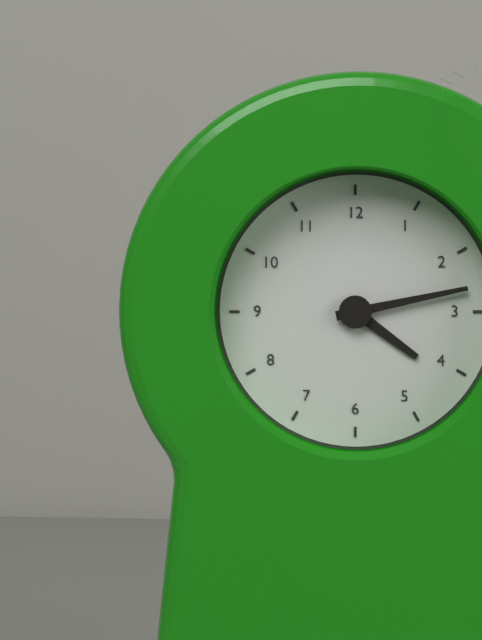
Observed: 4:13
